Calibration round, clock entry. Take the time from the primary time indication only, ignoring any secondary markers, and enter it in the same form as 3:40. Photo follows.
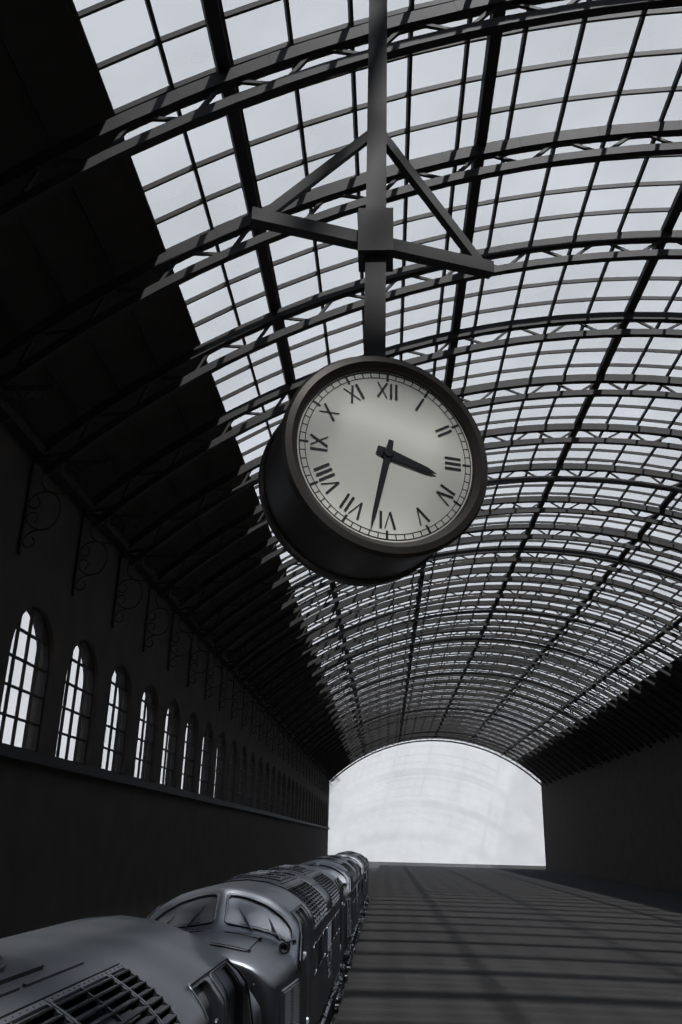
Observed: 3:32
